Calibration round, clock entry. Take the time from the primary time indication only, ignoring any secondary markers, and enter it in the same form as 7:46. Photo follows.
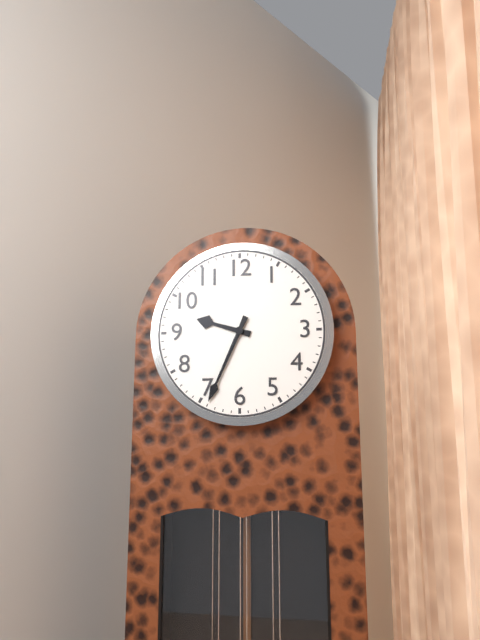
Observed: 9:34
